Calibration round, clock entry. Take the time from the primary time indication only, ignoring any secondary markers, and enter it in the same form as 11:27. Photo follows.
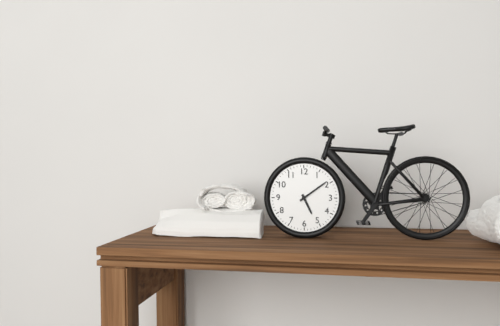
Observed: 5:09
